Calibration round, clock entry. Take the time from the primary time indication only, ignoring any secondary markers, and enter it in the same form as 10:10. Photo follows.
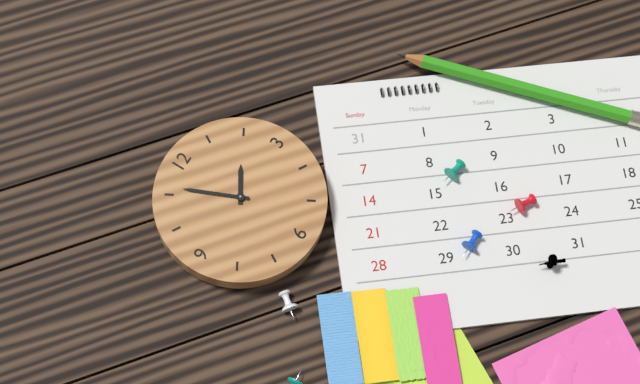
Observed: 1:56
